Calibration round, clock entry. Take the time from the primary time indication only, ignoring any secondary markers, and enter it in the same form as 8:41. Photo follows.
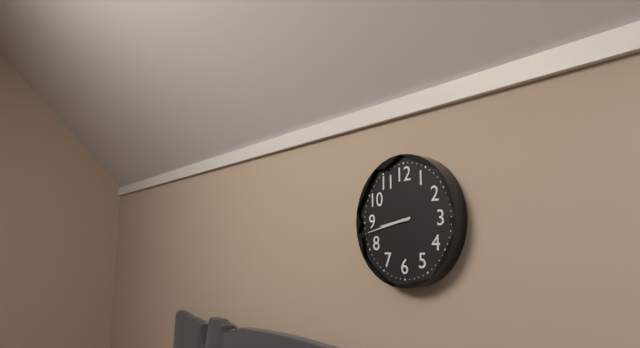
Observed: 8:43
